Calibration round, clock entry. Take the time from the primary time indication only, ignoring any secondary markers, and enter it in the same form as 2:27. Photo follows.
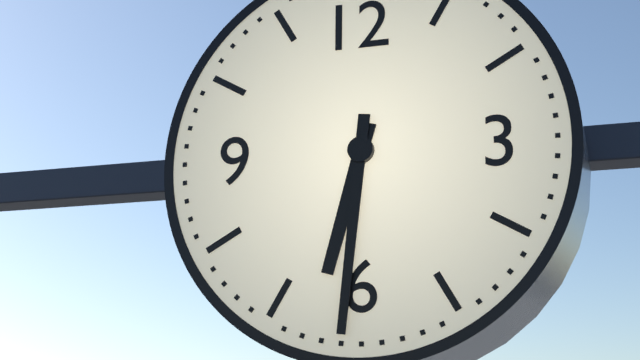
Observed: 6:31
